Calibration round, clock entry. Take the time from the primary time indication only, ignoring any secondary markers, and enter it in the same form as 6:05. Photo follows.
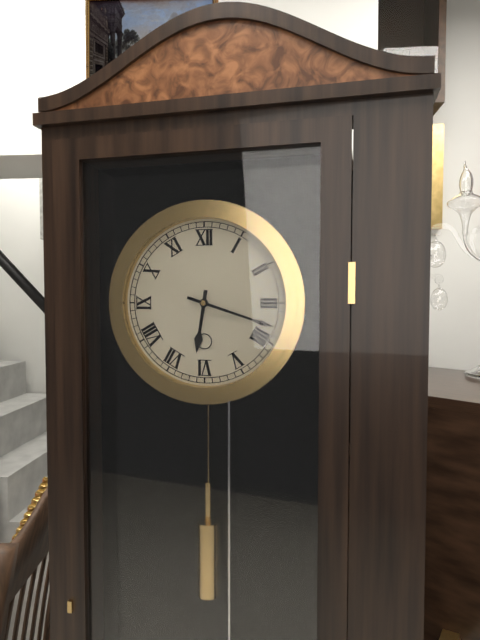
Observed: 6:18
